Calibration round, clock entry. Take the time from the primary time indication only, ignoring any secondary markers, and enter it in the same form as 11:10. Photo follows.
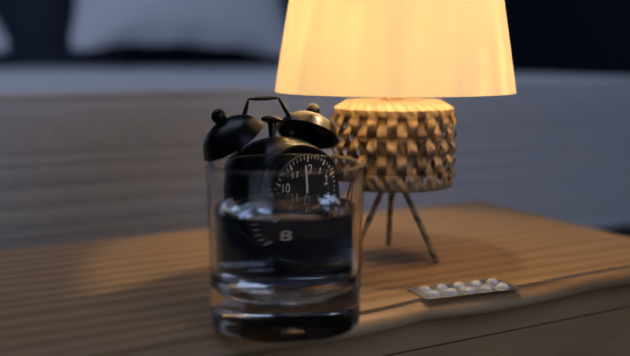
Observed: 3:59
